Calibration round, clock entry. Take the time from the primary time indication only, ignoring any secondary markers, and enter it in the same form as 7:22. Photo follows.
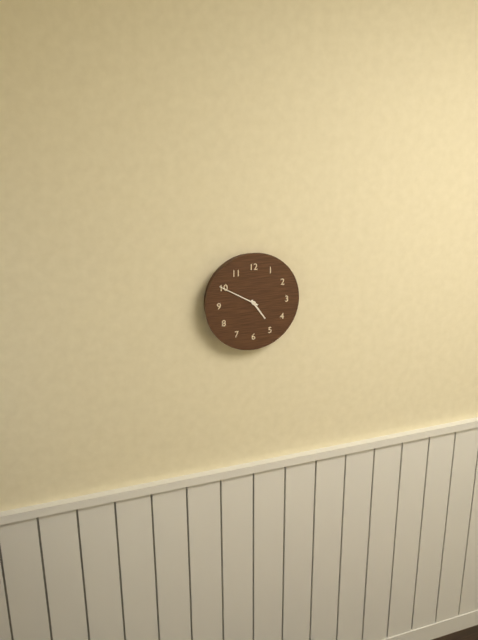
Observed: 4:50
